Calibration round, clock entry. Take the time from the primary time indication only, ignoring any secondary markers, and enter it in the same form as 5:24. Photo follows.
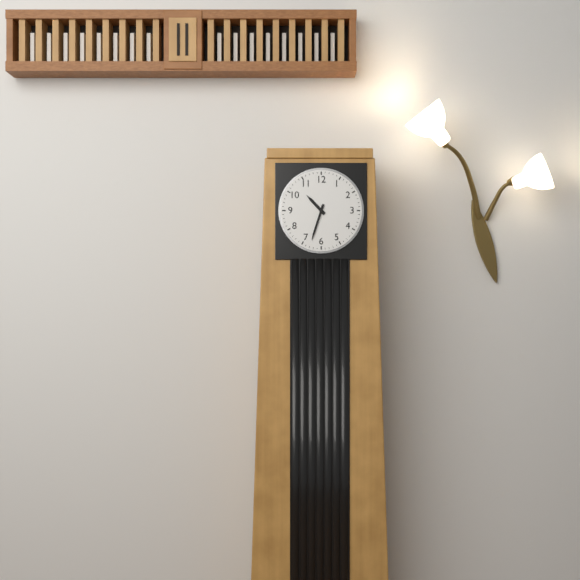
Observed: 10:33
